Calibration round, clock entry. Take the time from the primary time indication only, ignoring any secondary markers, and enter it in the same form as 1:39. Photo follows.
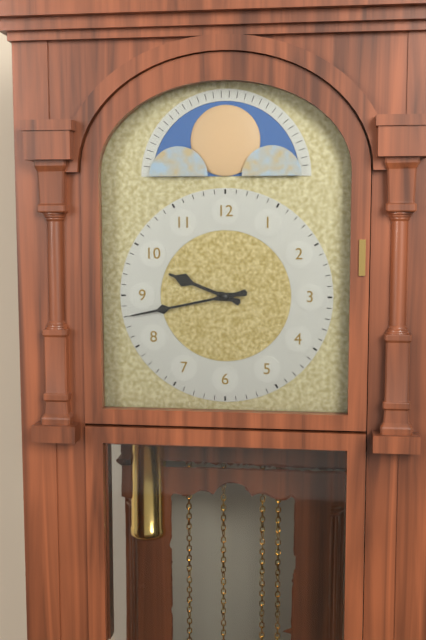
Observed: 9:43
